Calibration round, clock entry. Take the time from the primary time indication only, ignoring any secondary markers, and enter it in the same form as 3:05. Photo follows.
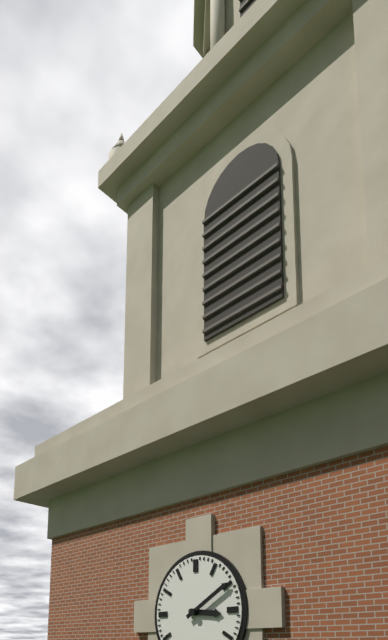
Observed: 3:10
